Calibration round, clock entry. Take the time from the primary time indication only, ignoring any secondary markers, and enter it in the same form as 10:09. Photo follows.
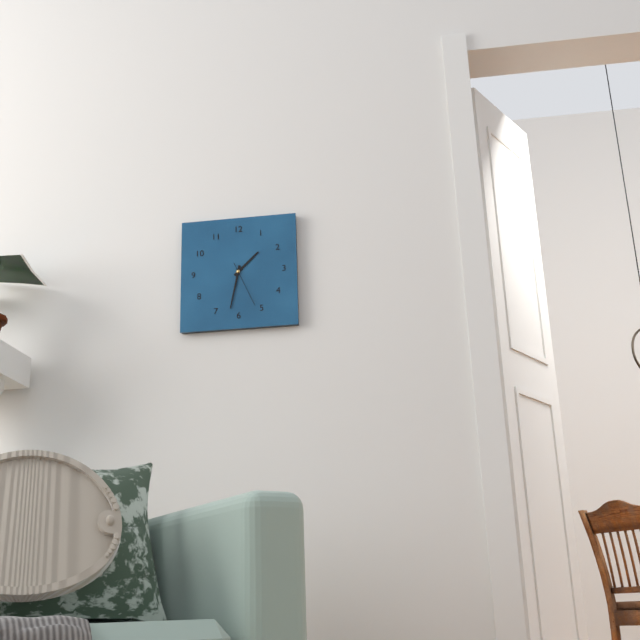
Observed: 1:32
